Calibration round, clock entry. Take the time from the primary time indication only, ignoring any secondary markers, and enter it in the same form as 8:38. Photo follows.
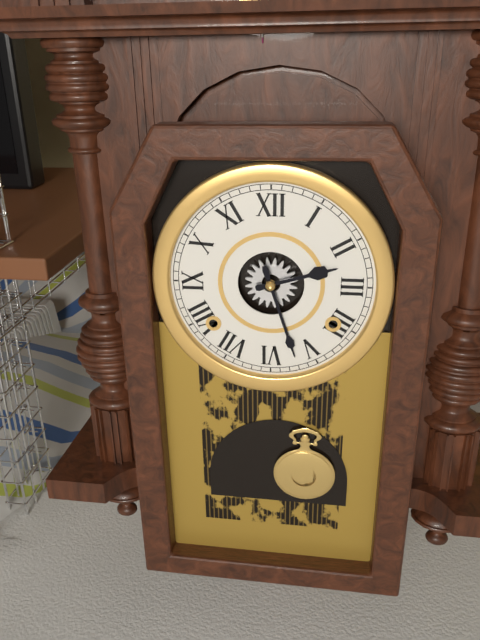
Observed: 2:27
